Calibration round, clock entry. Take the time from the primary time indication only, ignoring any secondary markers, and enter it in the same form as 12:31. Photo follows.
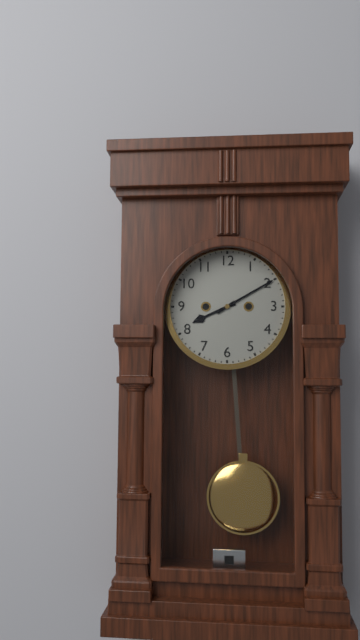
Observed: 8:10
